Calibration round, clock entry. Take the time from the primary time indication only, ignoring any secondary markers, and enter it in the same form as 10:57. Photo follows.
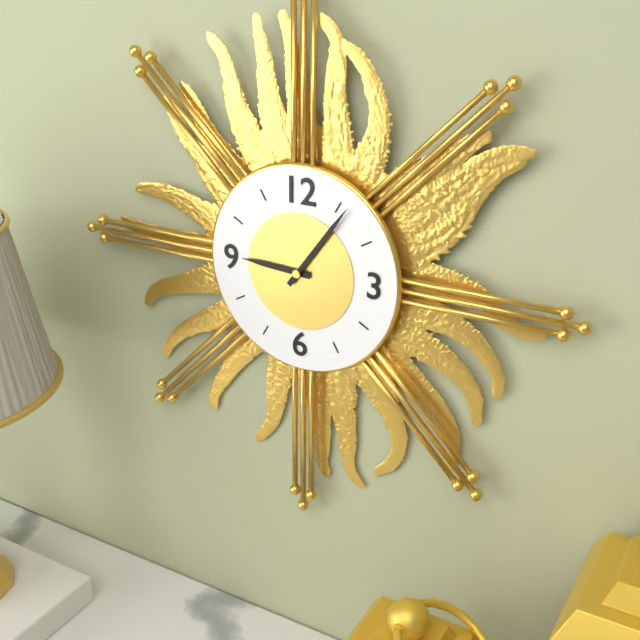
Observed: 9:06
